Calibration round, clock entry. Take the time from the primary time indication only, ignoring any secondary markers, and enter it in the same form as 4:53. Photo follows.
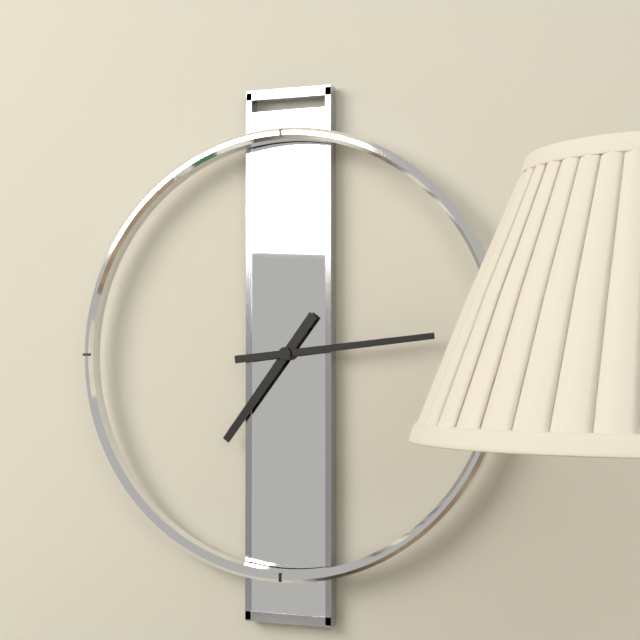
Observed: 7:14
